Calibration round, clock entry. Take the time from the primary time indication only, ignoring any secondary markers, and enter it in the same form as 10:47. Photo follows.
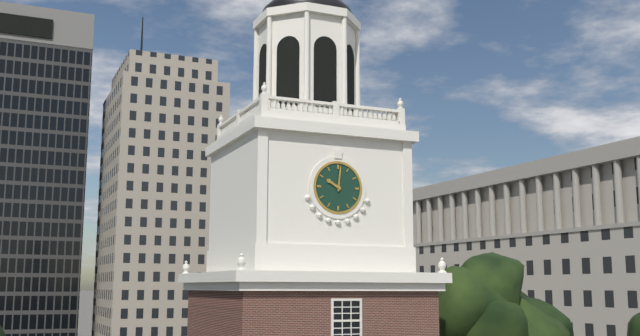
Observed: 10:01
